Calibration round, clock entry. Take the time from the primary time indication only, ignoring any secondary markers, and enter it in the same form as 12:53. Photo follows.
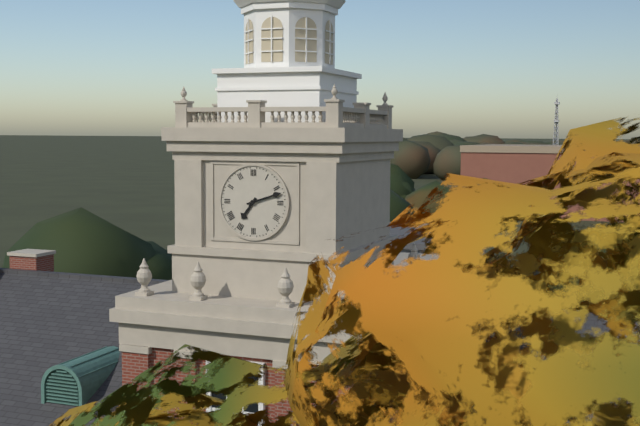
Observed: 7:12
